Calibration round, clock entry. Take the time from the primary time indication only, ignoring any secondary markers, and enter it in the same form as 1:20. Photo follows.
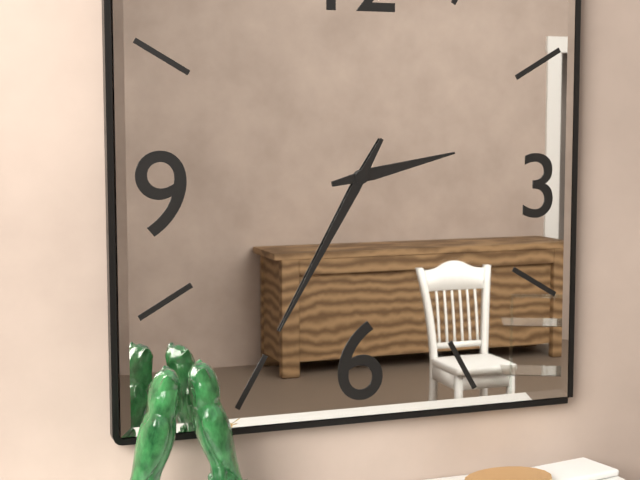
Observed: 2:35
